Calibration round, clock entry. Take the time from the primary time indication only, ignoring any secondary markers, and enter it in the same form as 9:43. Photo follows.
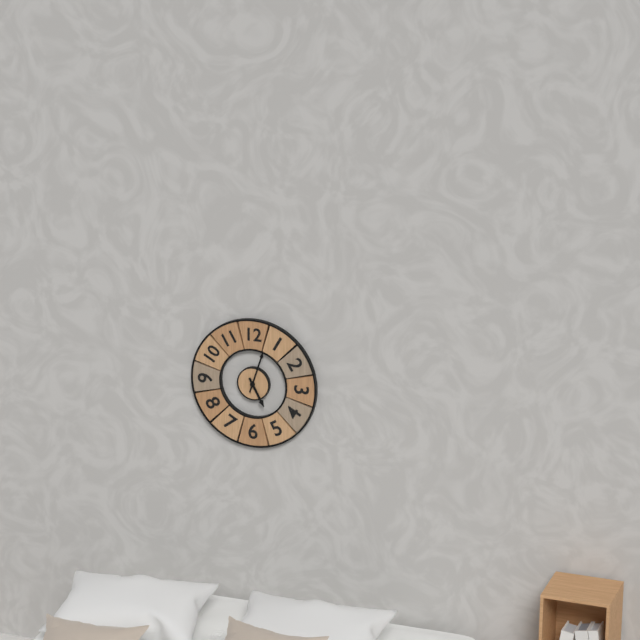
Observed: 5:03
